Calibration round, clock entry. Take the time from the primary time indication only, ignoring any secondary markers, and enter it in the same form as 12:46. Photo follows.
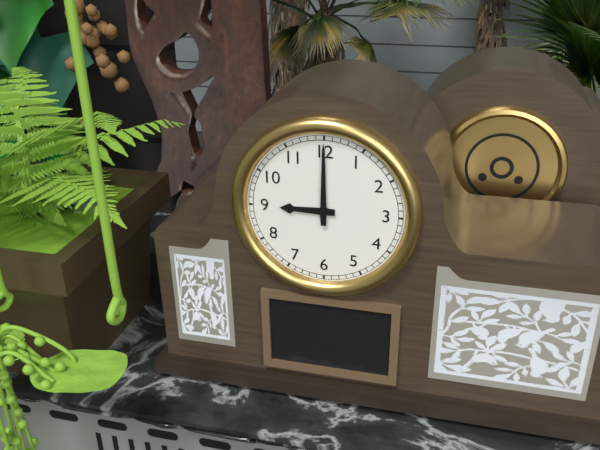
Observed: 9:00
